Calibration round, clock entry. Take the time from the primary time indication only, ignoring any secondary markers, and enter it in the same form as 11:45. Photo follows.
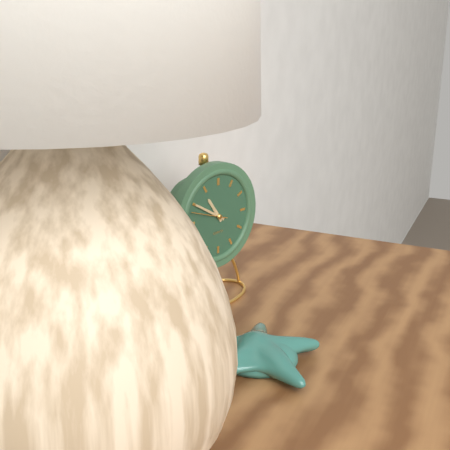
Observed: 10:50
